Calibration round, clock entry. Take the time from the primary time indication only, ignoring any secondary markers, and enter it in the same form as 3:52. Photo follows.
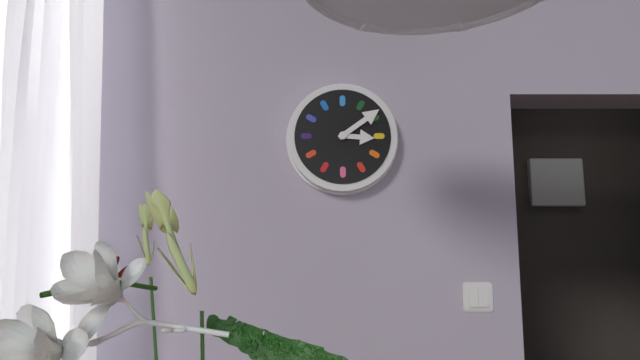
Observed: 3:09
